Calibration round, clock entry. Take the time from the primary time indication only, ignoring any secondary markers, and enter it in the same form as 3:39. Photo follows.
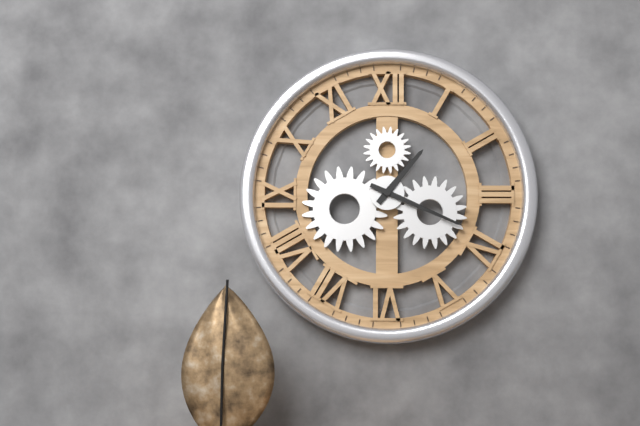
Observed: 1:19
